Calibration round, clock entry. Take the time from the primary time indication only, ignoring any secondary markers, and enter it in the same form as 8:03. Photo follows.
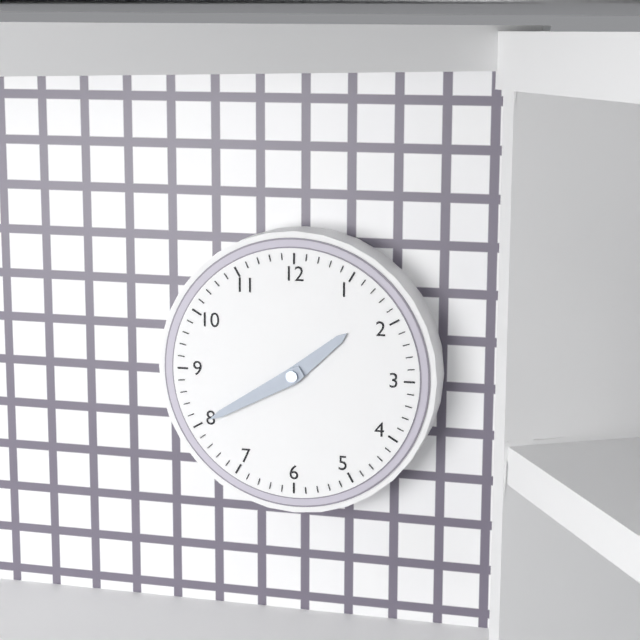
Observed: 1:40
